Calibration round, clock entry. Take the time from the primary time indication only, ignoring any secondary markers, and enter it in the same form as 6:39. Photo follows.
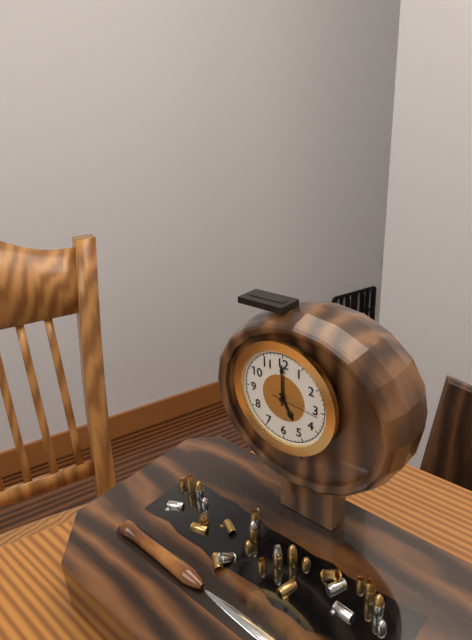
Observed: 5:00
